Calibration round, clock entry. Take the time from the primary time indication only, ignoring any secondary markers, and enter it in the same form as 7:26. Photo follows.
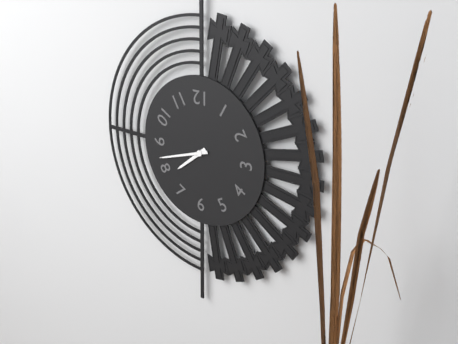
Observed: 7:42
